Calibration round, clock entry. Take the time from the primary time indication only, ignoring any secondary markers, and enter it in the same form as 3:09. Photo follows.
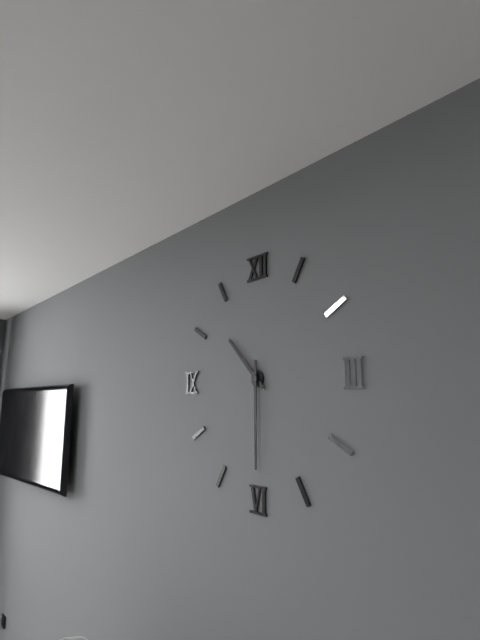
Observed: 10:30
